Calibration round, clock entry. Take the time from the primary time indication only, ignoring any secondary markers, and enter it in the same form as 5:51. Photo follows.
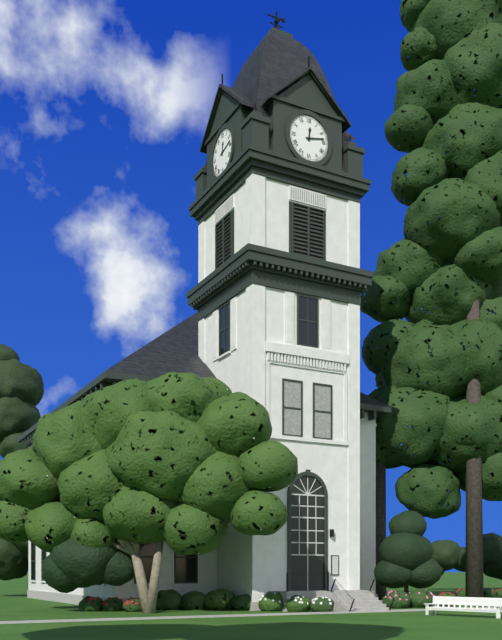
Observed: 12:13
